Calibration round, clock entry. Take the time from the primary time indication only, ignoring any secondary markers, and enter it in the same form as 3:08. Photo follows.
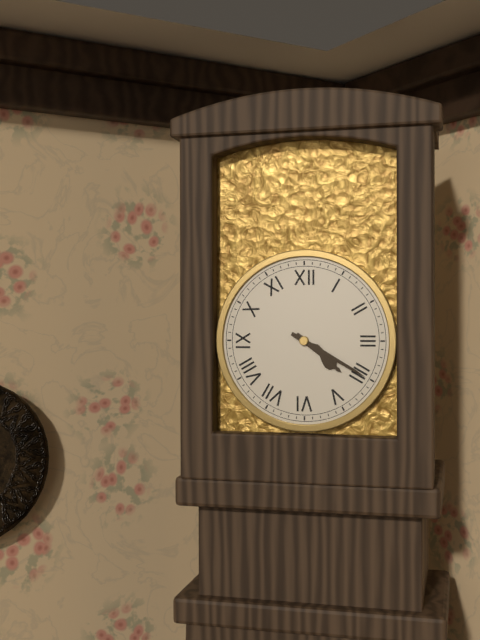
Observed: 4:20
